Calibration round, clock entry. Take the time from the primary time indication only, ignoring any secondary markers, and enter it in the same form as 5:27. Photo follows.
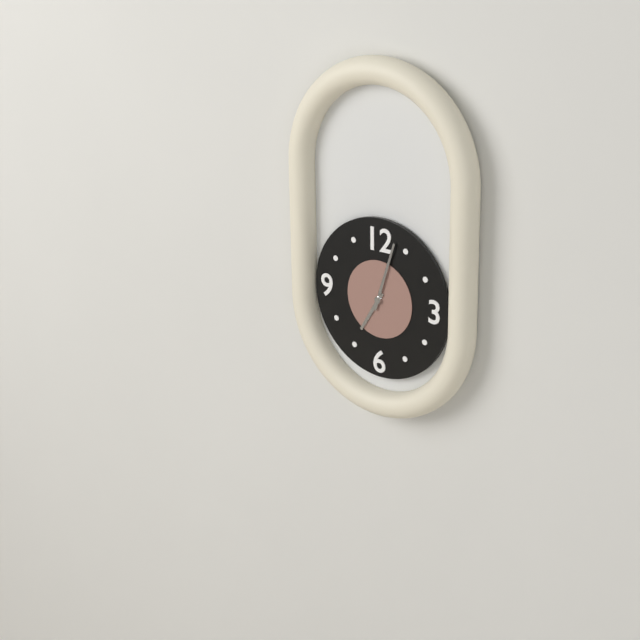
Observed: 7:03
